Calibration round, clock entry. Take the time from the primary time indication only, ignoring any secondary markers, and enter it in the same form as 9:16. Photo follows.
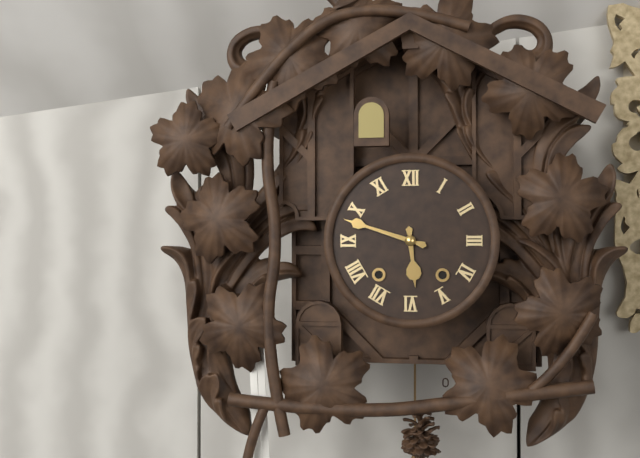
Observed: 5:48
